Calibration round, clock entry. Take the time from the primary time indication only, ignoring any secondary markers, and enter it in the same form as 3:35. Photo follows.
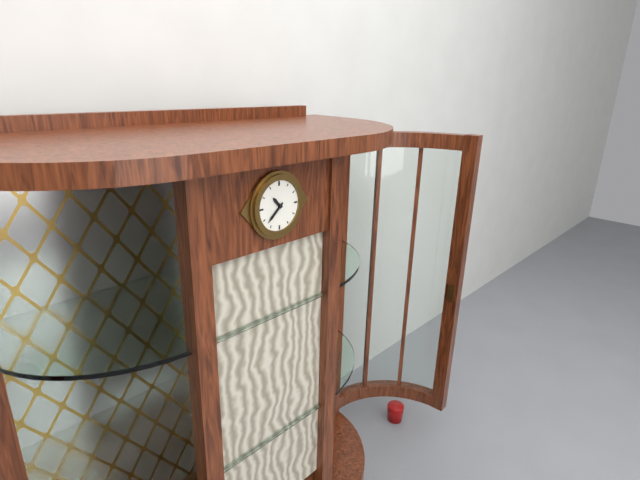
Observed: 10:38
